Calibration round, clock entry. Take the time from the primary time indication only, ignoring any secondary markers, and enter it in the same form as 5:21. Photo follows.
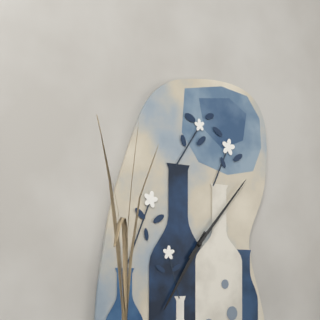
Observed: 7:07
